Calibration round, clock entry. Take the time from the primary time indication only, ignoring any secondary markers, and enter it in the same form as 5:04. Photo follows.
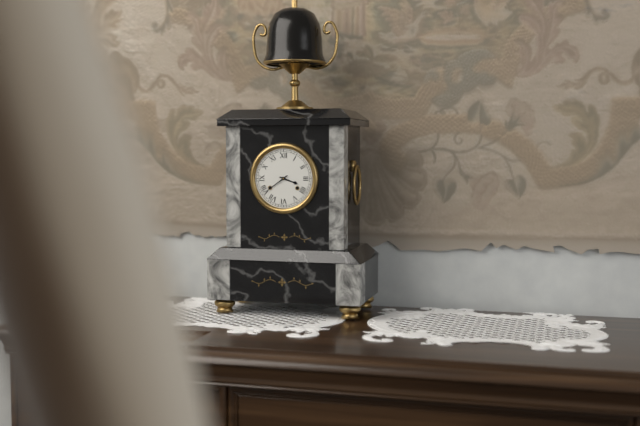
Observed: 3:39
